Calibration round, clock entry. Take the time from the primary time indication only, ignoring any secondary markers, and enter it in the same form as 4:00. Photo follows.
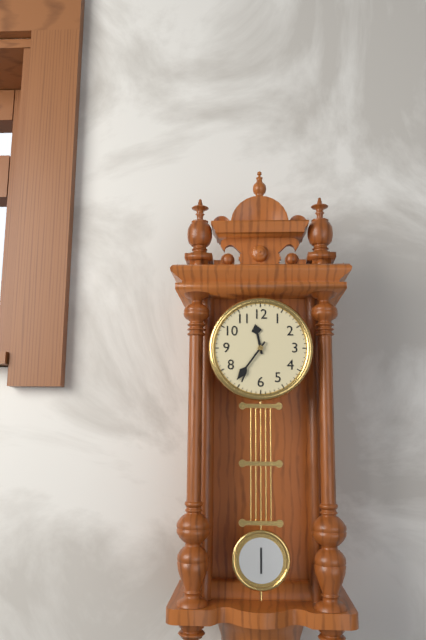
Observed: 11:36
